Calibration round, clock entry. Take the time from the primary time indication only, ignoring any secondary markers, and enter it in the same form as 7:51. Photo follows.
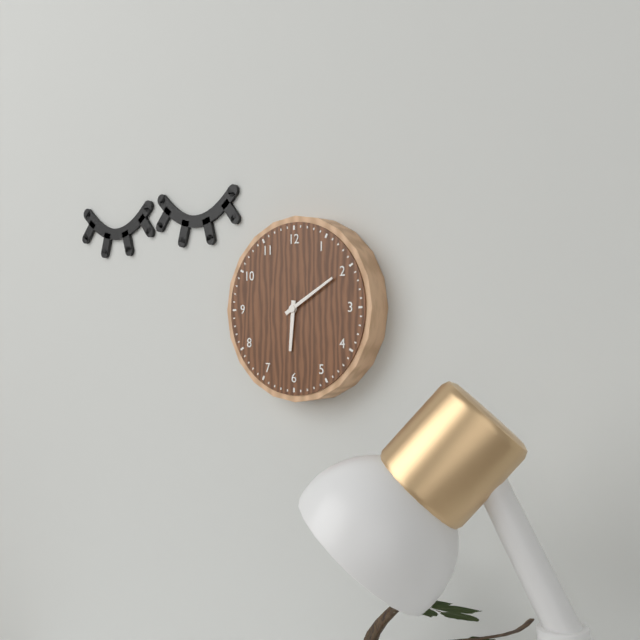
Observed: 6:10
